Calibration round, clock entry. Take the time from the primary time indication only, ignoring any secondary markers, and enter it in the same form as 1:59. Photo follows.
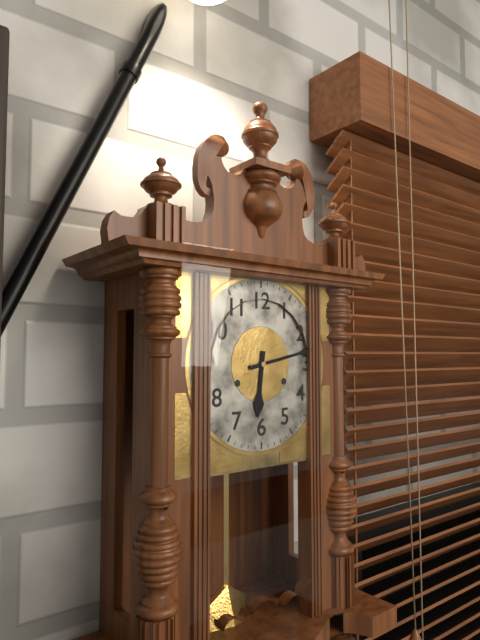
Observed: 6:13
